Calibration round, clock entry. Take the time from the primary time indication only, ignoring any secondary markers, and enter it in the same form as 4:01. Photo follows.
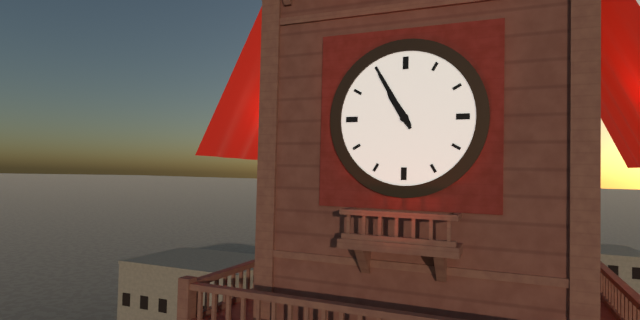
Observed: 10:55
